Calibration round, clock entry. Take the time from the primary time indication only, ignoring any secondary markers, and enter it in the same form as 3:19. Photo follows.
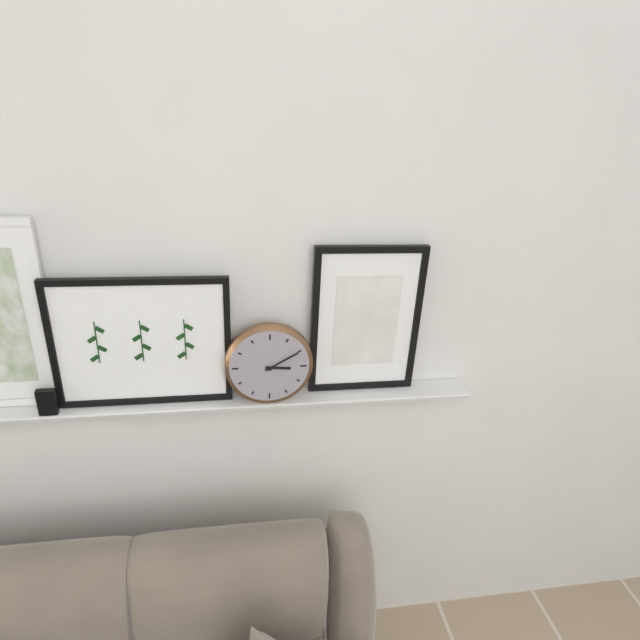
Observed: 3:10
